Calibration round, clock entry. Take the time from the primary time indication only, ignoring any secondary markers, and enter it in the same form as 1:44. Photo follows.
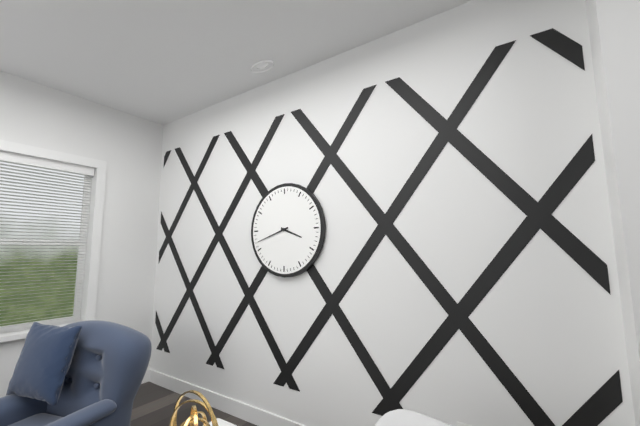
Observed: 3:42
